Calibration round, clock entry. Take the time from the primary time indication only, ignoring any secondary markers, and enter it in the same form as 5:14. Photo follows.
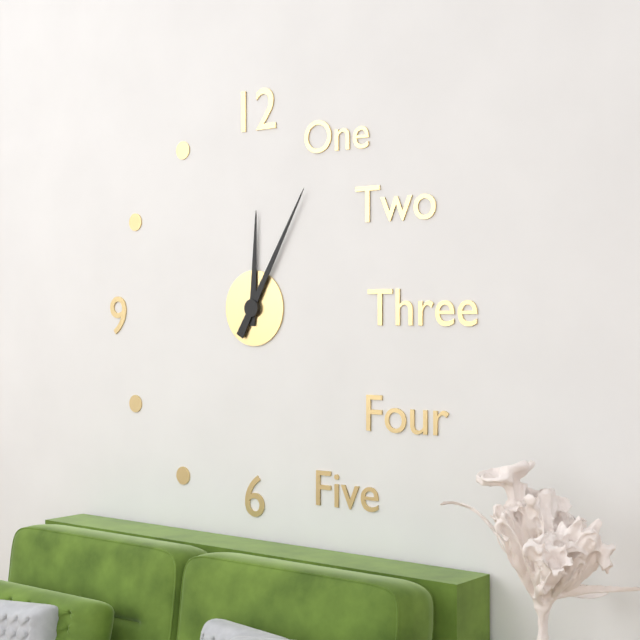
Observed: 12:05
